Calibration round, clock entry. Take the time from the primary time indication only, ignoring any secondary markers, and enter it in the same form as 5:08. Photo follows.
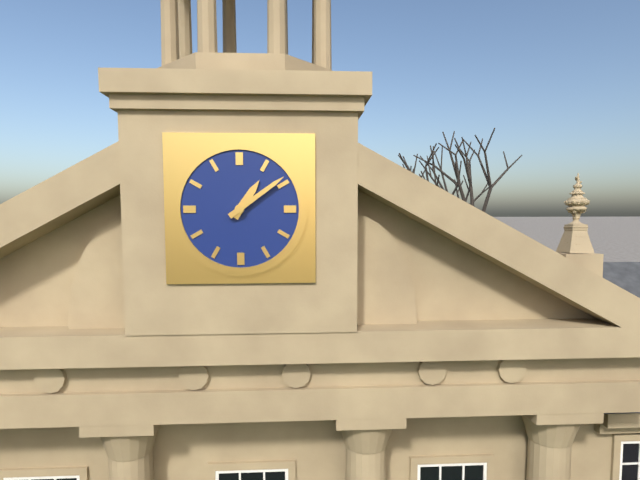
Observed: 1:09
